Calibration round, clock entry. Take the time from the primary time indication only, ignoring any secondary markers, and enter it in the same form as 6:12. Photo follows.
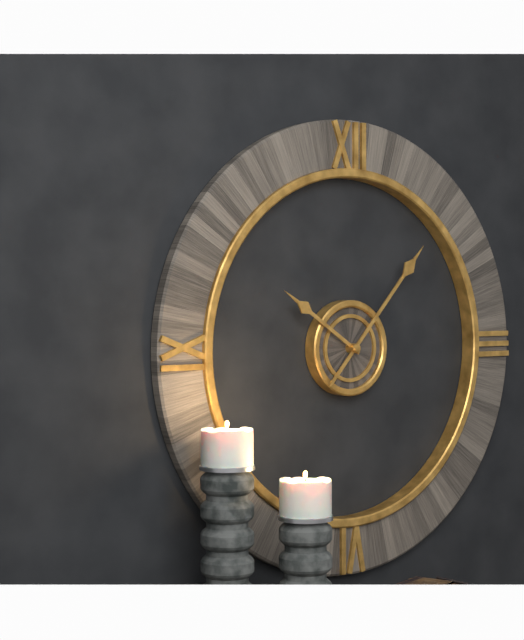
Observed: 10:07
